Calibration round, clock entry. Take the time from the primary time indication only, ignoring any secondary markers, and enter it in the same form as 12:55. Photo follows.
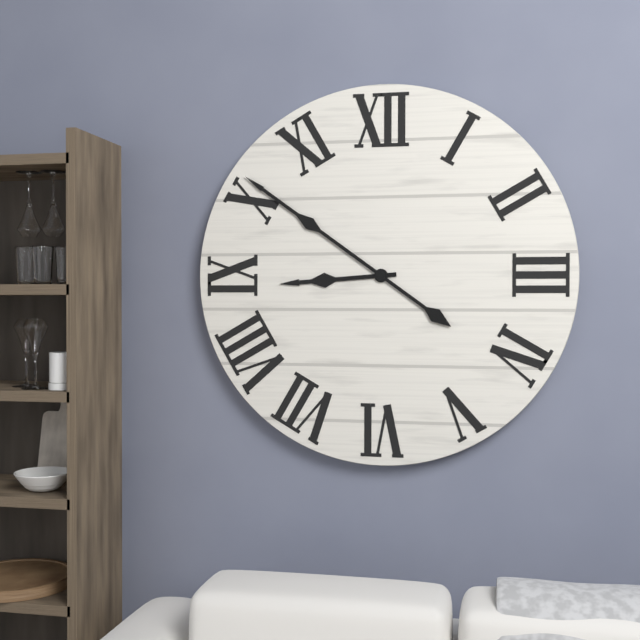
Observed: 8:51
